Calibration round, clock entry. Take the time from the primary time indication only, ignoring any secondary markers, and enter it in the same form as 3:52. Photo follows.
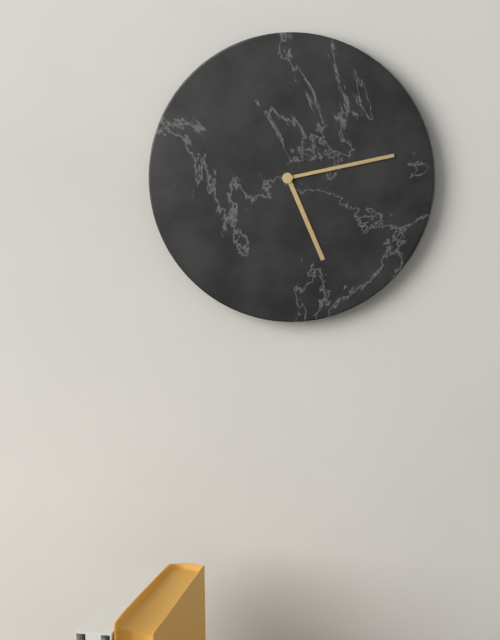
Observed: 5:13
